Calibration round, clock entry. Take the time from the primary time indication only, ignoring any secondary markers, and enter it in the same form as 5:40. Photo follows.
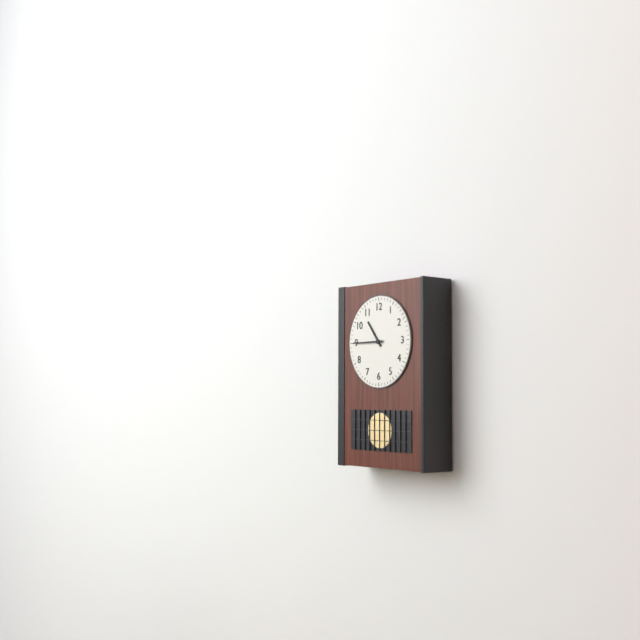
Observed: 10:45
